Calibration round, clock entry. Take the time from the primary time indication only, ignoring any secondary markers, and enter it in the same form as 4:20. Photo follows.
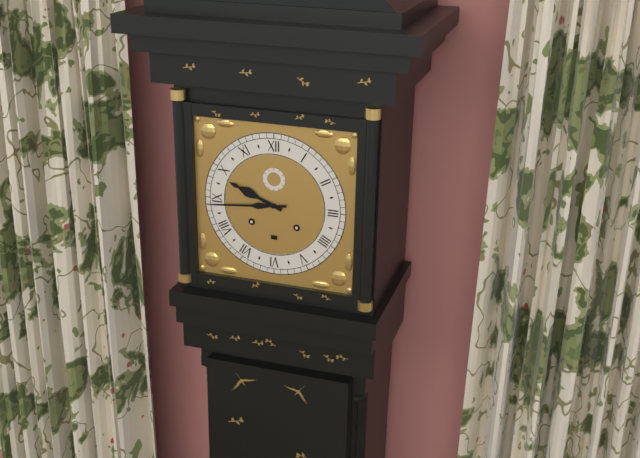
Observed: 9:44
